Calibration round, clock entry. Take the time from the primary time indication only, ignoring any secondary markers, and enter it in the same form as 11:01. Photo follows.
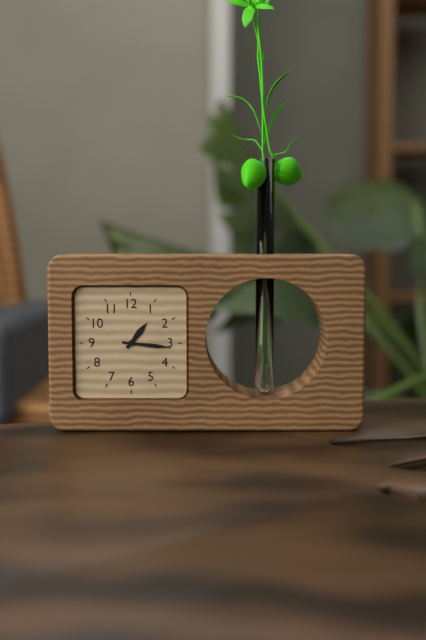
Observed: 1:16
